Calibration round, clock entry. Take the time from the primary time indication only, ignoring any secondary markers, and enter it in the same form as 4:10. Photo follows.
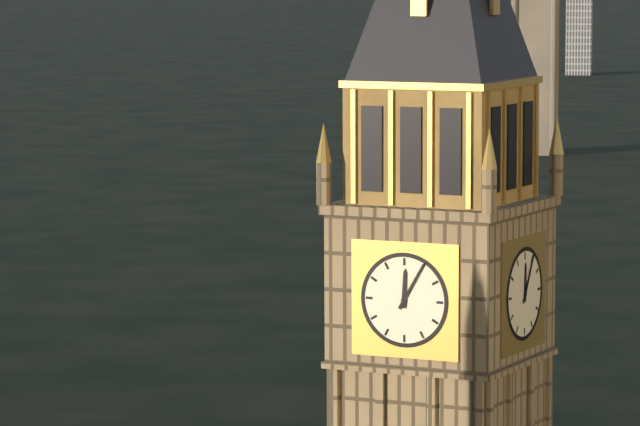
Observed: 12:05
